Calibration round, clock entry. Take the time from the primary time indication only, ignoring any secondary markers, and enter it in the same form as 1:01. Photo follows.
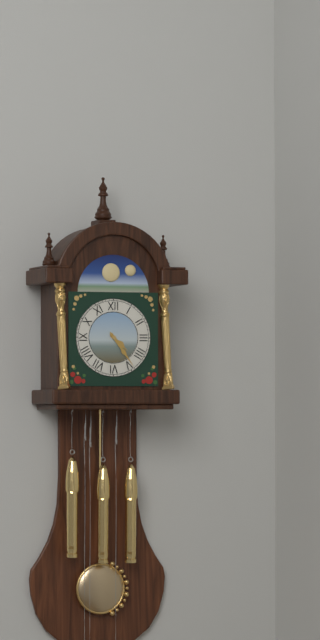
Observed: 4:24
